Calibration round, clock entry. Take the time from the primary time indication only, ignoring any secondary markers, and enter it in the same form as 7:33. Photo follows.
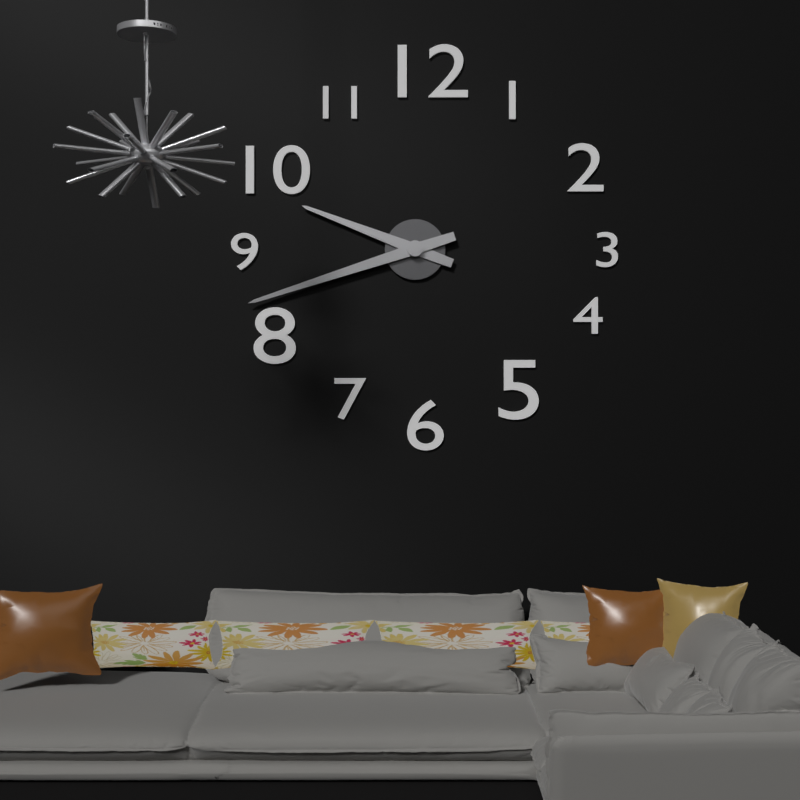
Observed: 9:42
